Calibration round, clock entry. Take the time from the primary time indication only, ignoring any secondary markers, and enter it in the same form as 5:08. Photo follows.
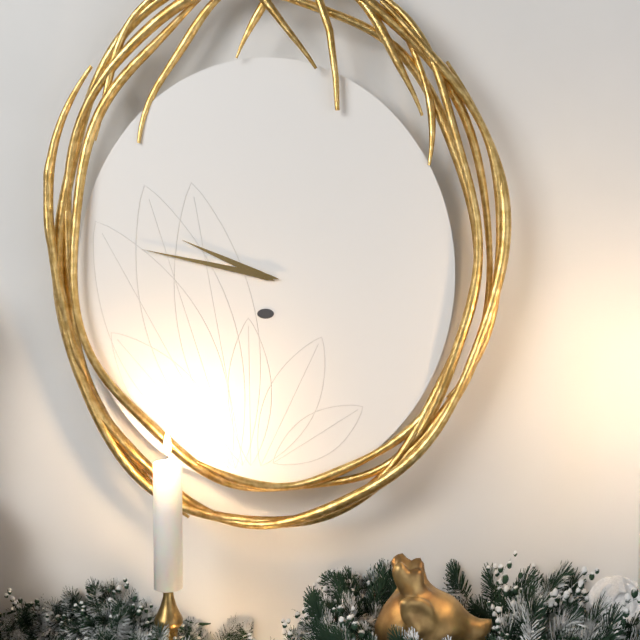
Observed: 9:47
